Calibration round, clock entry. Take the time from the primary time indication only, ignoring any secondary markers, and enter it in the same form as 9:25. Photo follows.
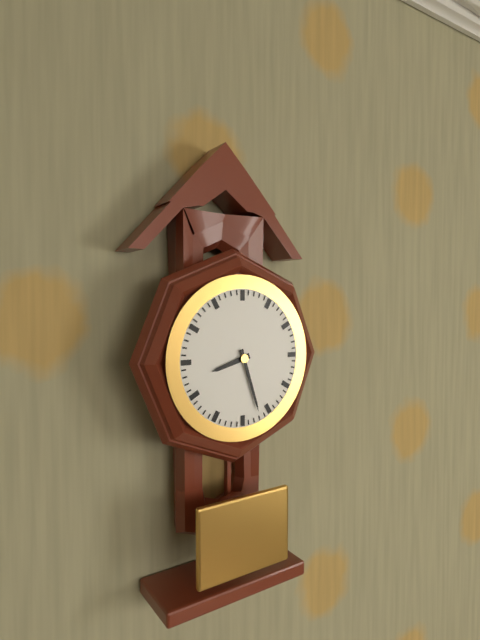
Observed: 8:27
